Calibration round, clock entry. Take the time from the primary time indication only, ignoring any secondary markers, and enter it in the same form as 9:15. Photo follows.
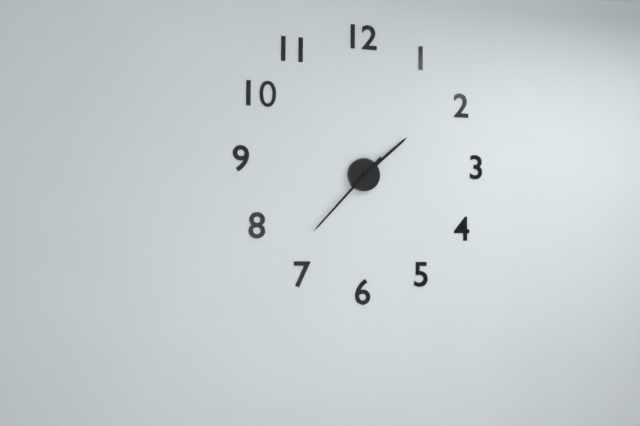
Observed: 1:37
